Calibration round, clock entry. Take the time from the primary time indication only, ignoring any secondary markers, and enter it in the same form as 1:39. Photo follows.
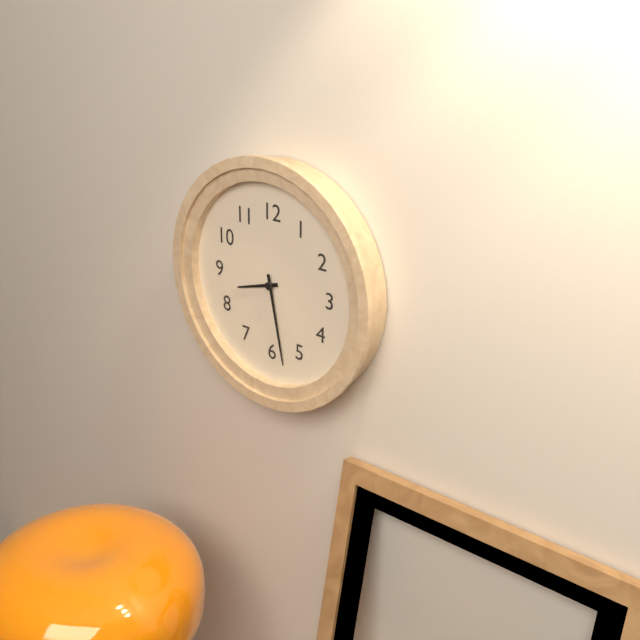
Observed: 8:28
